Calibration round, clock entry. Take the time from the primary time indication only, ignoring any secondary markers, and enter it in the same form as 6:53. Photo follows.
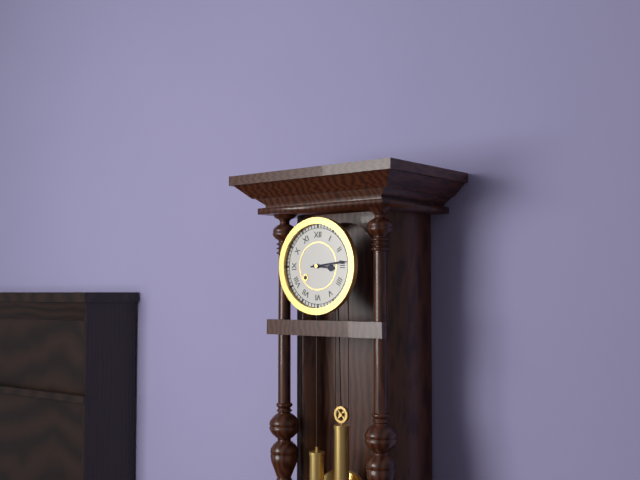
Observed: 3:14
